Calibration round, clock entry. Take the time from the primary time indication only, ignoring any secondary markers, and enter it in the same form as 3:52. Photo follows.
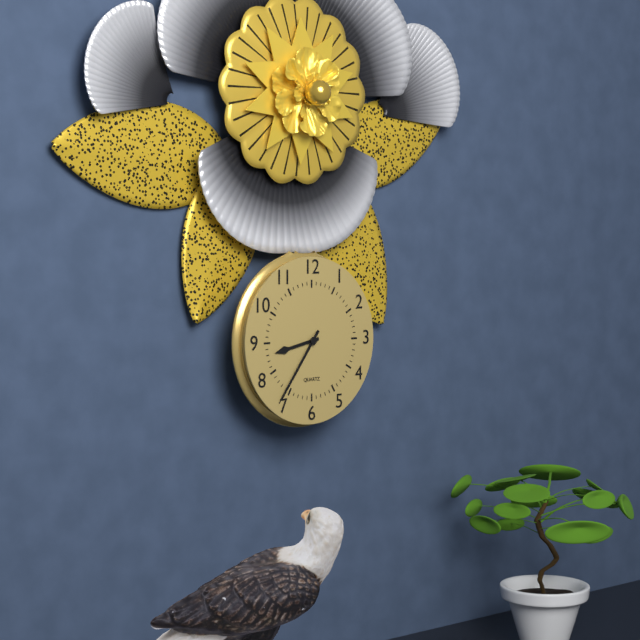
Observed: 8:36
